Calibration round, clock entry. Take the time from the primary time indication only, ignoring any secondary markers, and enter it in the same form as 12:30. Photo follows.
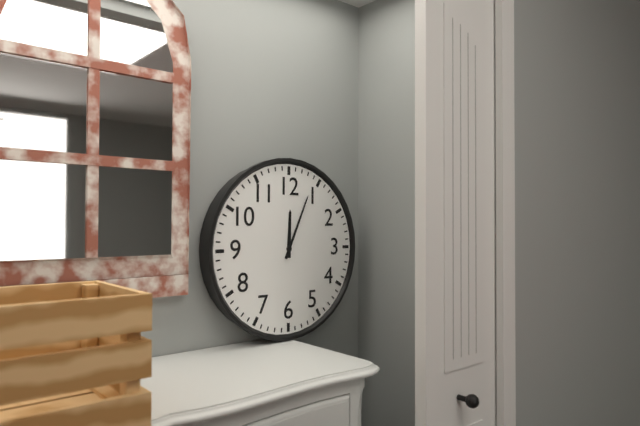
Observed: 12:04
